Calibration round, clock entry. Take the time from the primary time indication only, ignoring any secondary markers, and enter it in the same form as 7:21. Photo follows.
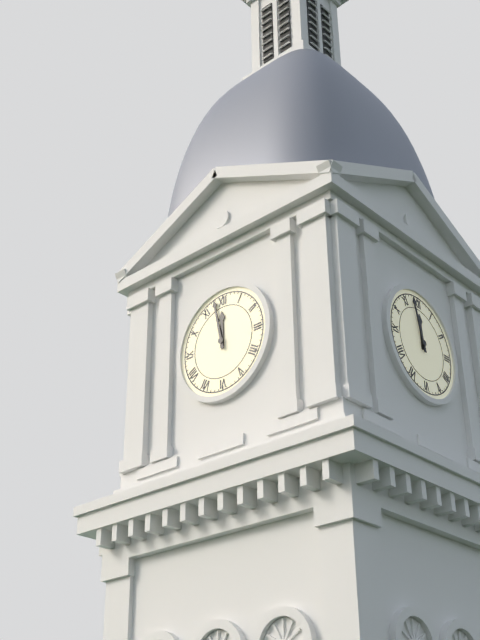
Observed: 11:58
